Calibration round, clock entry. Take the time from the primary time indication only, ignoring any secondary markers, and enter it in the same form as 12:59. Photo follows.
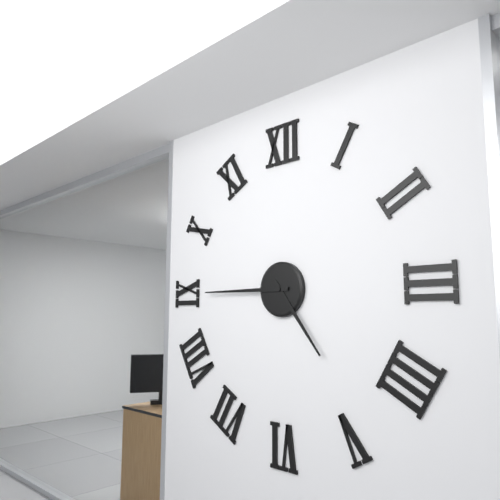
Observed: 4:45
